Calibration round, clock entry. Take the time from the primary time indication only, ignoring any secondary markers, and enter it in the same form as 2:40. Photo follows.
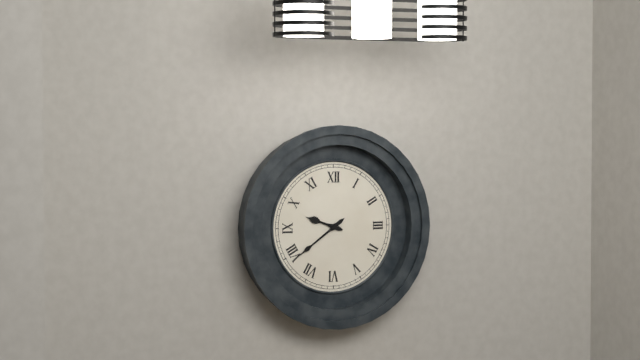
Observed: 9:39
